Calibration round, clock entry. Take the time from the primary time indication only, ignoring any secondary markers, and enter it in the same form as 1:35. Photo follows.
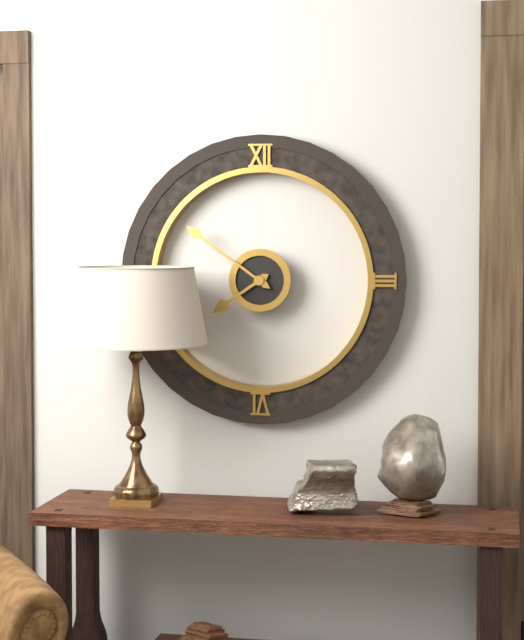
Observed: 7:51
